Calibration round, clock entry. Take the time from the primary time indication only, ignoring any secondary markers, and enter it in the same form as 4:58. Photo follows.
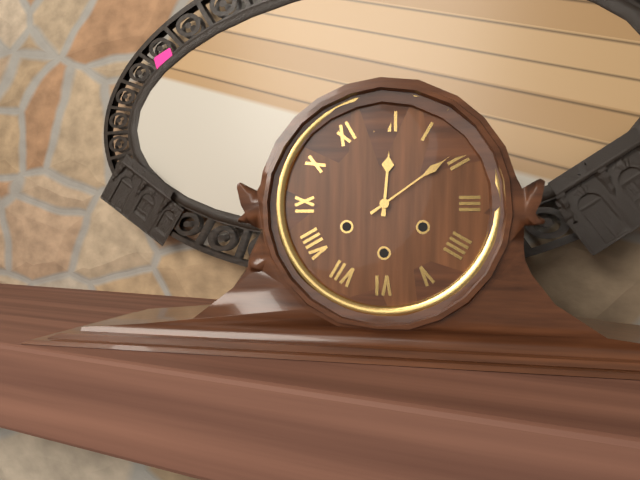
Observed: 12:09
